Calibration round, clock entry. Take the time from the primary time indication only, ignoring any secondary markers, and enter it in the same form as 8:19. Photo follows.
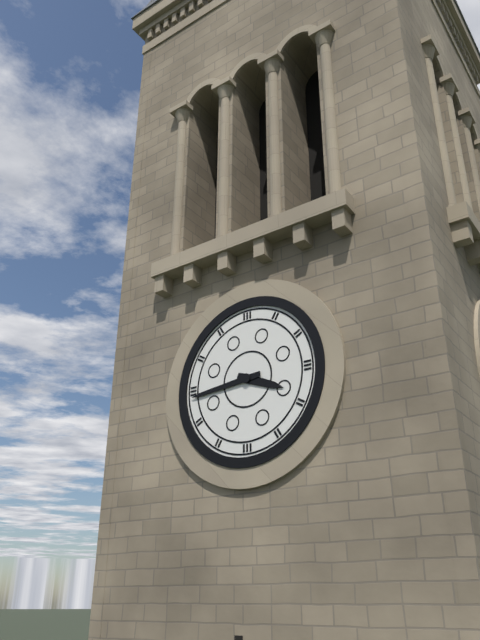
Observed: 3:44
